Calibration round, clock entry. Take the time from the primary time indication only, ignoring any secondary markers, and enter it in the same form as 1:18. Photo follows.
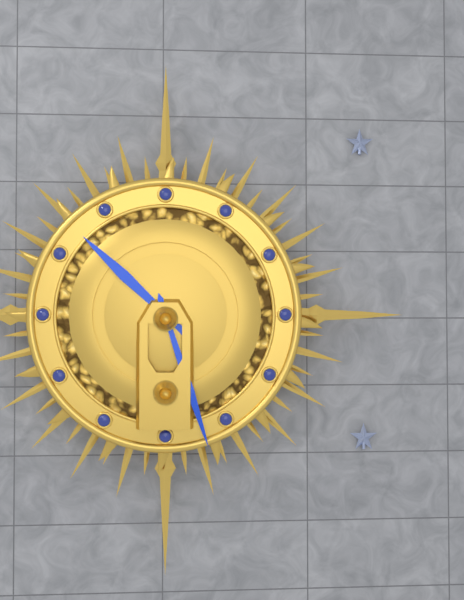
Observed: 10:27
